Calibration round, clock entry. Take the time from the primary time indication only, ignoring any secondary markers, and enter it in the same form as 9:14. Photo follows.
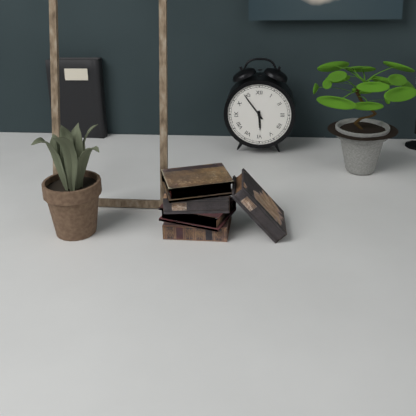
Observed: 5:54
